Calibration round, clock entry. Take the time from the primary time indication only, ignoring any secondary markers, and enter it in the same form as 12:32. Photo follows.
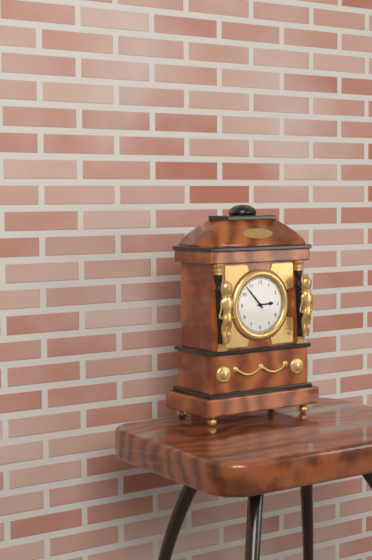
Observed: 2:53
